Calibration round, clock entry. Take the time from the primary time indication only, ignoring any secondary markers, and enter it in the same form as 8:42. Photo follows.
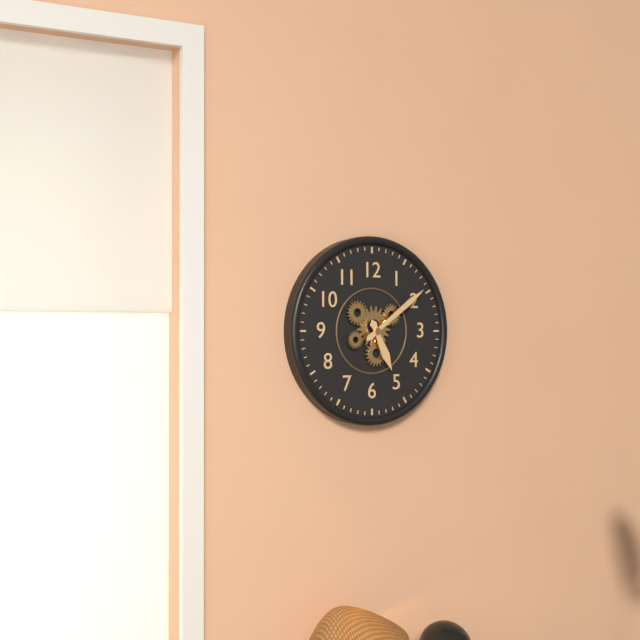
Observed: 5:09
